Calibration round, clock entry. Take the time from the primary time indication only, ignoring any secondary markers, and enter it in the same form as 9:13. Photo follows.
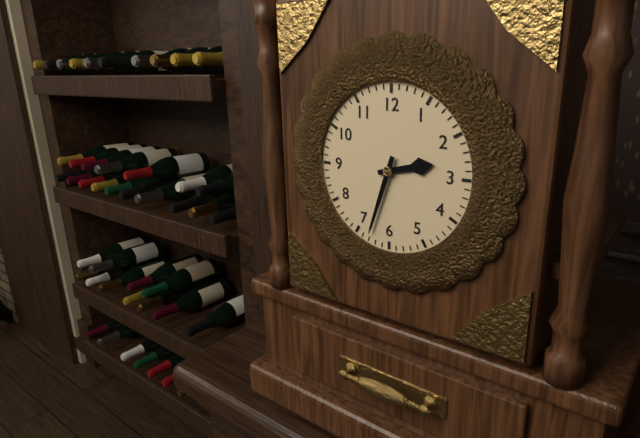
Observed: 2:33
